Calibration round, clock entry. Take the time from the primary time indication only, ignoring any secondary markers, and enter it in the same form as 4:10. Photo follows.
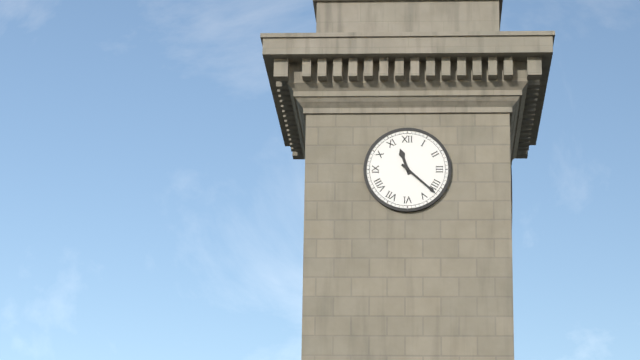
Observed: 11:22
